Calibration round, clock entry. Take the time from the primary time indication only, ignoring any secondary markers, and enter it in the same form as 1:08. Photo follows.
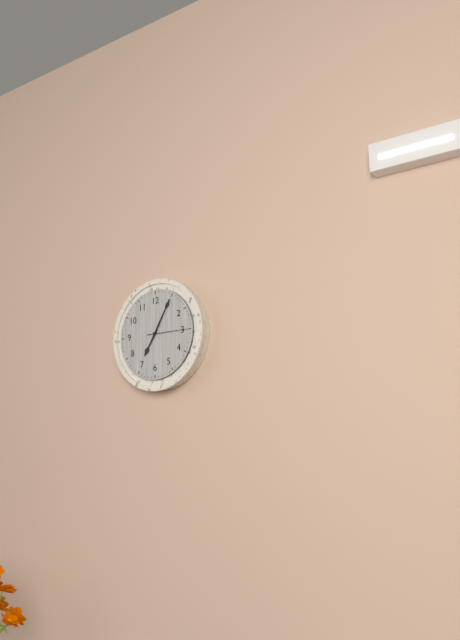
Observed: 7:05
